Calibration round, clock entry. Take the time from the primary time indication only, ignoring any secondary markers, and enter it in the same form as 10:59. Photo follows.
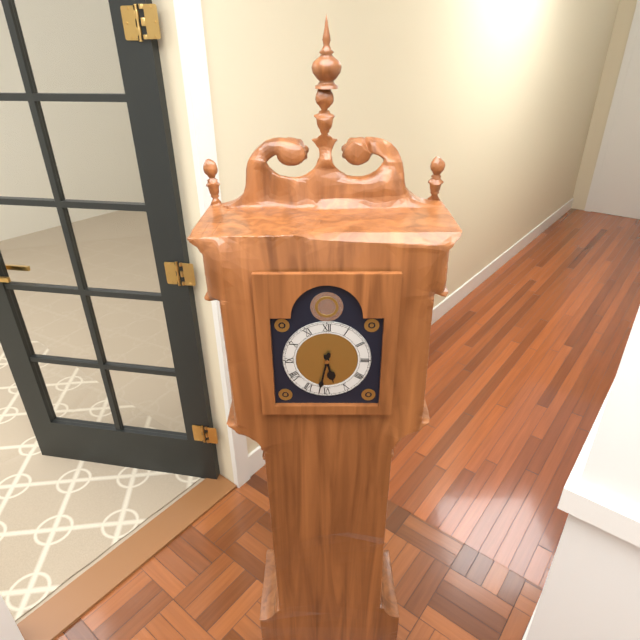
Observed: 5:32
